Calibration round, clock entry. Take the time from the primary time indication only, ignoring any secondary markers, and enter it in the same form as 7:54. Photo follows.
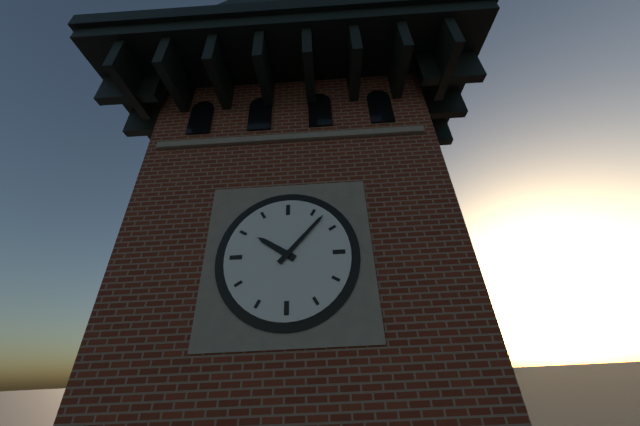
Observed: 10:07
